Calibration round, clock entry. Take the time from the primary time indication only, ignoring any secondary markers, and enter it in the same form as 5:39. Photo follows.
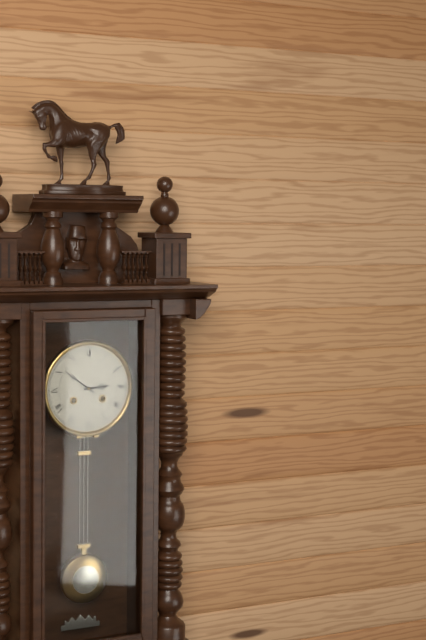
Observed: 2:51
